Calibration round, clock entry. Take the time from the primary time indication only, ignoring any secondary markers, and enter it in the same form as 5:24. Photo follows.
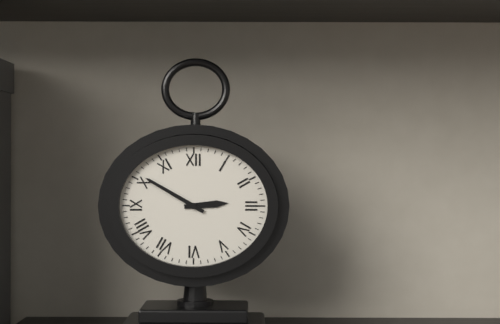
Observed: 2:50
